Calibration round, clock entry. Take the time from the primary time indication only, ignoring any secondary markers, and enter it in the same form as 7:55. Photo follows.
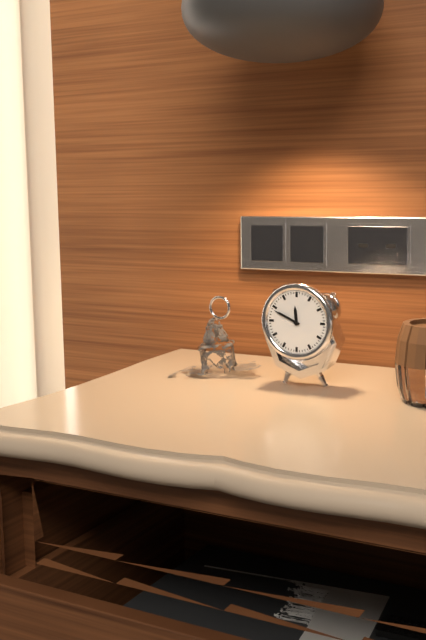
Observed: 11:49
